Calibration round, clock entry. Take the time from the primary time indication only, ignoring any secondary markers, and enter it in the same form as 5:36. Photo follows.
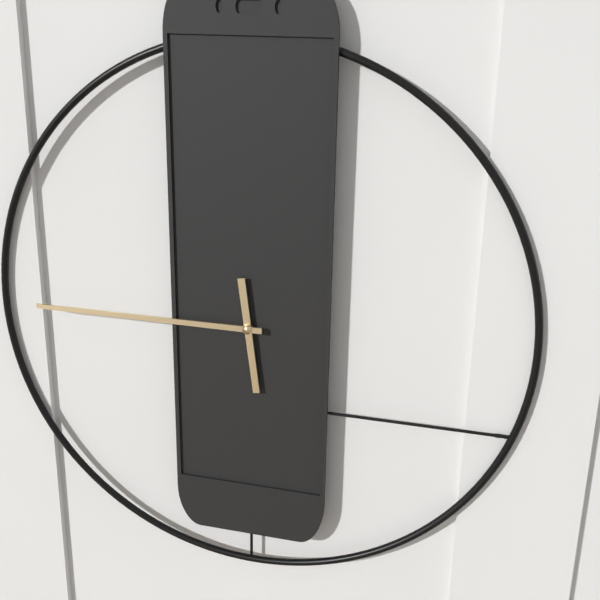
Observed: 5:45
